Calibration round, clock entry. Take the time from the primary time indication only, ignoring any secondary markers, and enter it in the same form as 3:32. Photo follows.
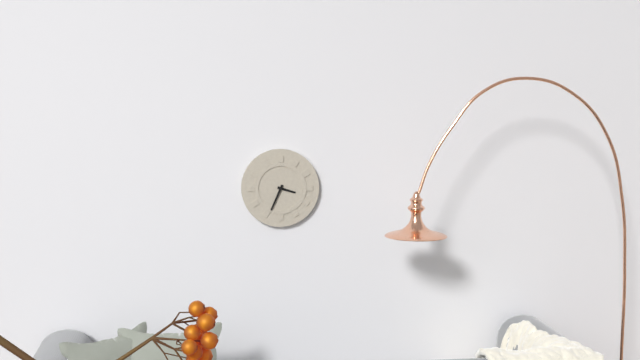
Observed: 3:34
